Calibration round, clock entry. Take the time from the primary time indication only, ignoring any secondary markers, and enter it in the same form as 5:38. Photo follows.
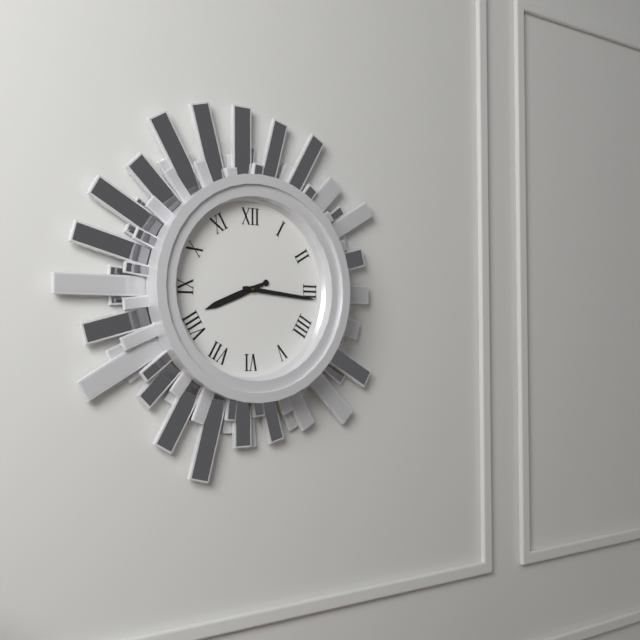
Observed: 8:16
